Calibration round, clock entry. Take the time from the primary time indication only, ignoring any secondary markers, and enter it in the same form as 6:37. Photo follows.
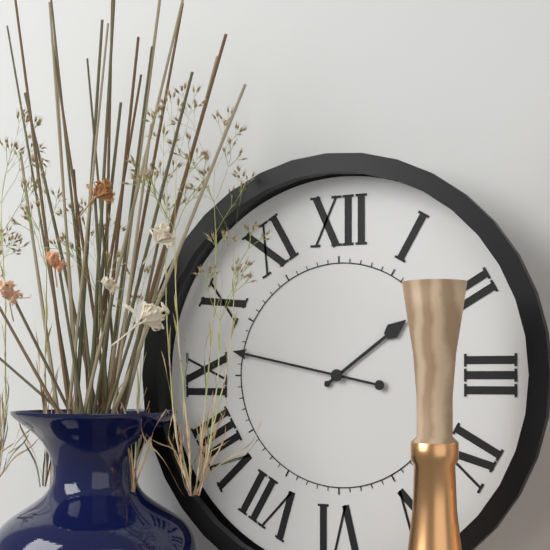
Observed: 1:47
